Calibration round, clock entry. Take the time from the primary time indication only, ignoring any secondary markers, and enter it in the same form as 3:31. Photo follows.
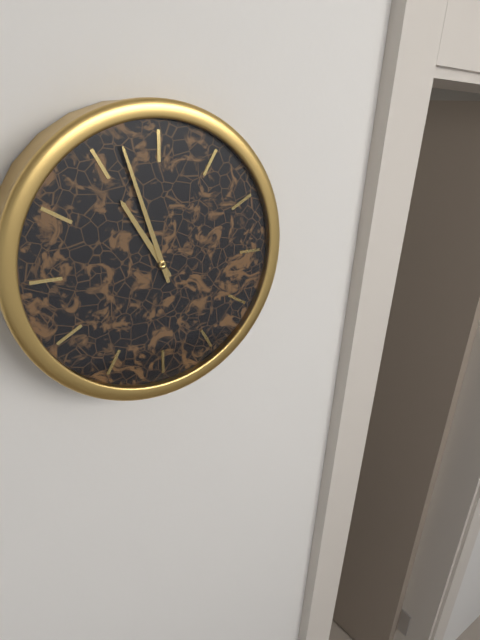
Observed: 10:57
